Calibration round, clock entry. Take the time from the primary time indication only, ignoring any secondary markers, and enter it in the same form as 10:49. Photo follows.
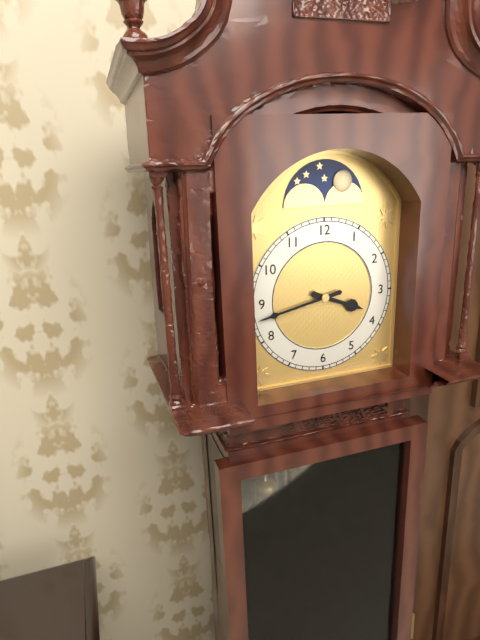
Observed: 3:43
